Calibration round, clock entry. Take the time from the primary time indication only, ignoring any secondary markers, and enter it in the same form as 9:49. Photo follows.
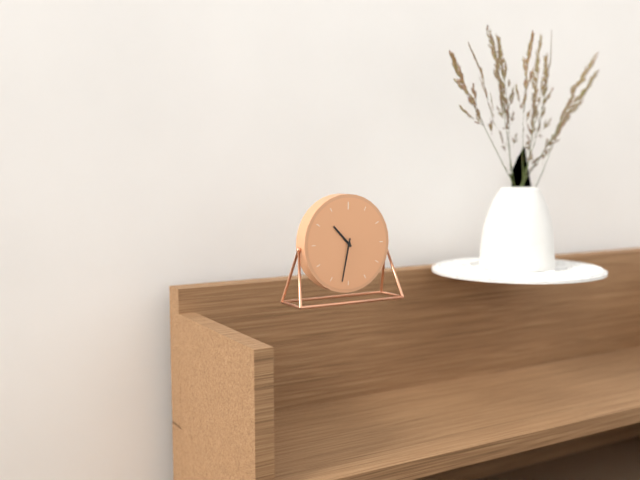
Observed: 10:32
